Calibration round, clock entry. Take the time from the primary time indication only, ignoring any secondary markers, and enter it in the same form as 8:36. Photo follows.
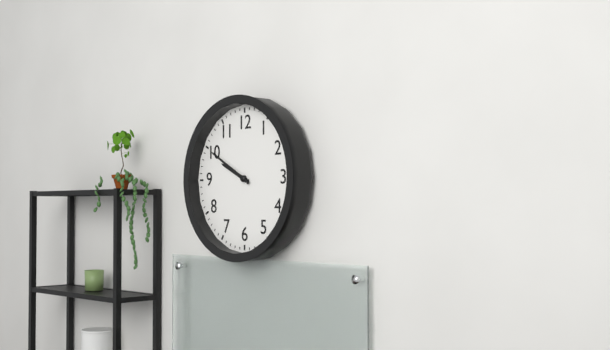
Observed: 9:50
